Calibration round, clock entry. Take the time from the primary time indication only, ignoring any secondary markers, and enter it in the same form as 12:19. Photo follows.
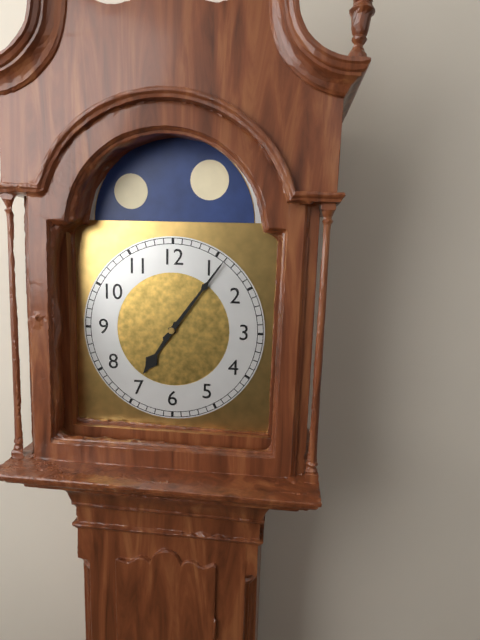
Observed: 7:06
